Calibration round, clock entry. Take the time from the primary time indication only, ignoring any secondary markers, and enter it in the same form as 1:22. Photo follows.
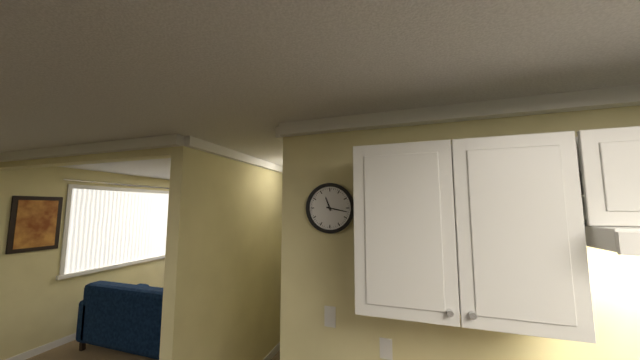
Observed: 11:17
